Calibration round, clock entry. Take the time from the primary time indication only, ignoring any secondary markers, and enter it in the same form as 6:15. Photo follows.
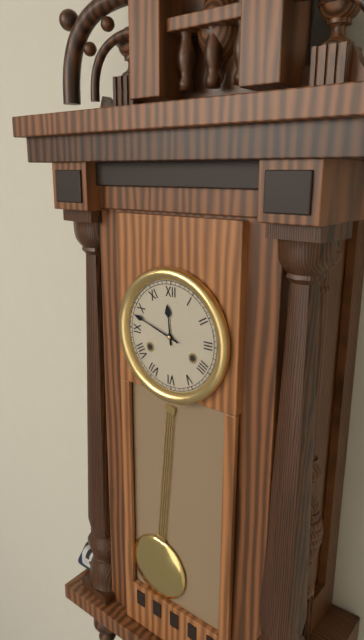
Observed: 11:48
